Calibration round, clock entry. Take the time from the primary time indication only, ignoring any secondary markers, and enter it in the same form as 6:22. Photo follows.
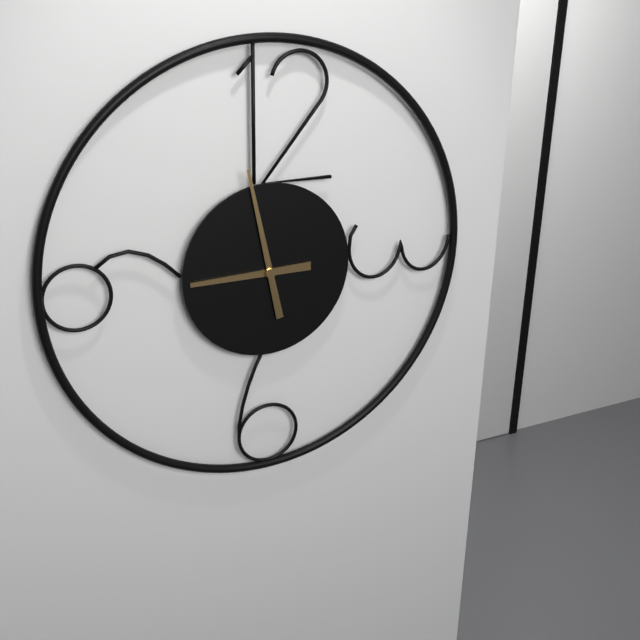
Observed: 8:58
